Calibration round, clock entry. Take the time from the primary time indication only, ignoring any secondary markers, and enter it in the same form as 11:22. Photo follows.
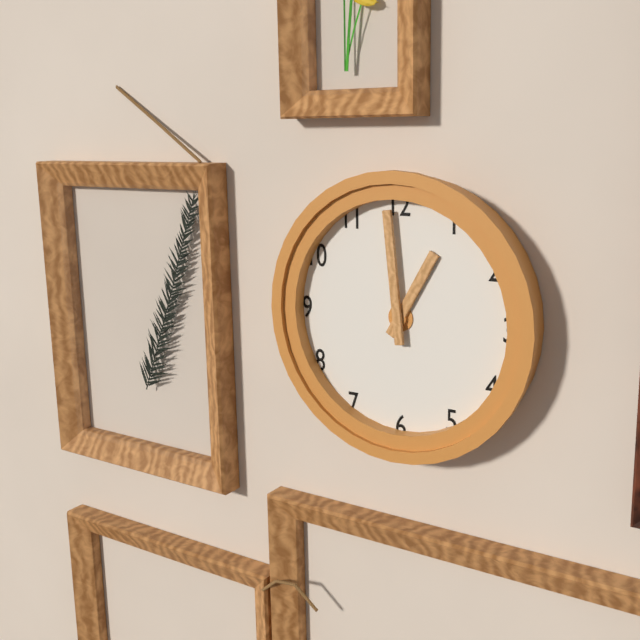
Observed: 12:59
